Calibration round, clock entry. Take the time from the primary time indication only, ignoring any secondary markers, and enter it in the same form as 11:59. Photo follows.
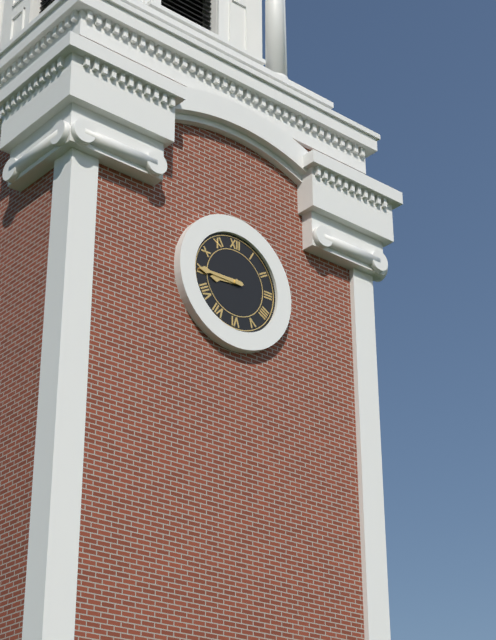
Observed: 8:45
